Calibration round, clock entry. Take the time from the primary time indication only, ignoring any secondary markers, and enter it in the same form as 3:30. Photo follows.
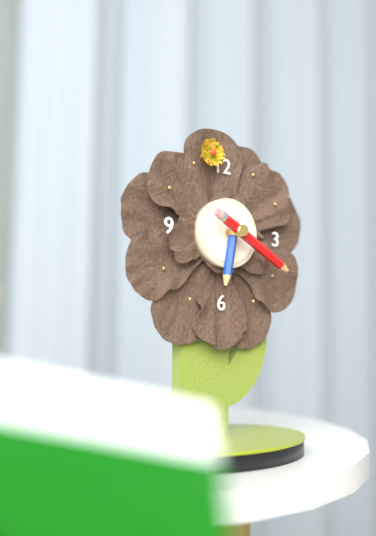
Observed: 6:20
